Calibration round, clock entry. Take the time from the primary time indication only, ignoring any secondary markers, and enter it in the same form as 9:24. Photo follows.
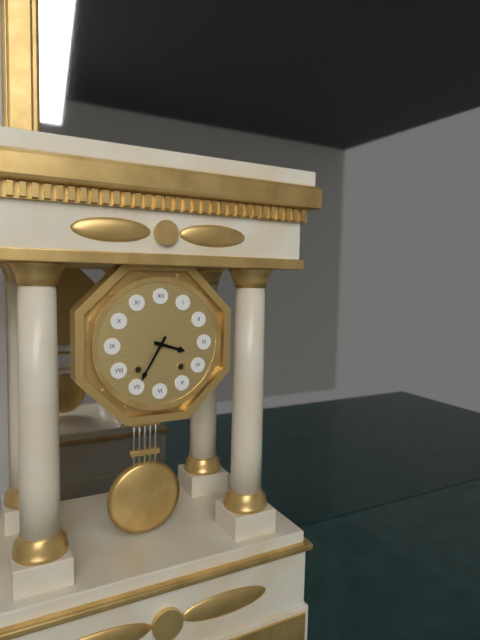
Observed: 3:35
